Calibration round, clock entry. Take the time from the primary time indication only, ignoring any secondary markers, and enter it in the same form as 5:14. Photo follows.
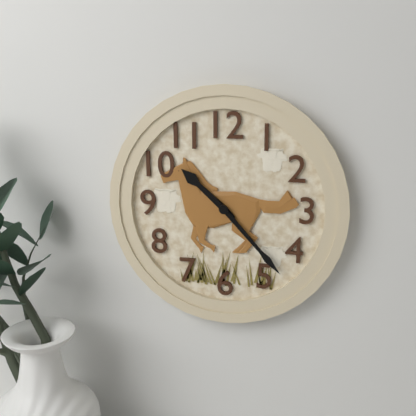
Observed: 10:23
